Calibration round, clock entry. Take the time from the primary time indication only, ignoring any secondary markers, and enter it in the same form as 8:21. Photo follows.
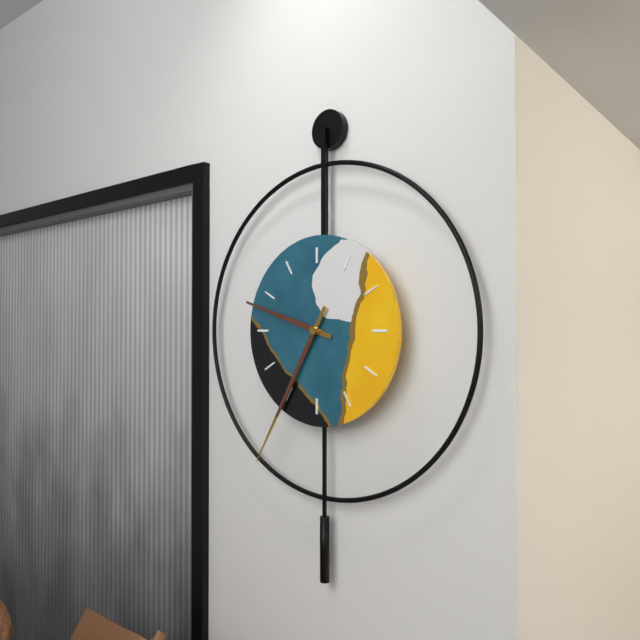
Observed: 9:35
